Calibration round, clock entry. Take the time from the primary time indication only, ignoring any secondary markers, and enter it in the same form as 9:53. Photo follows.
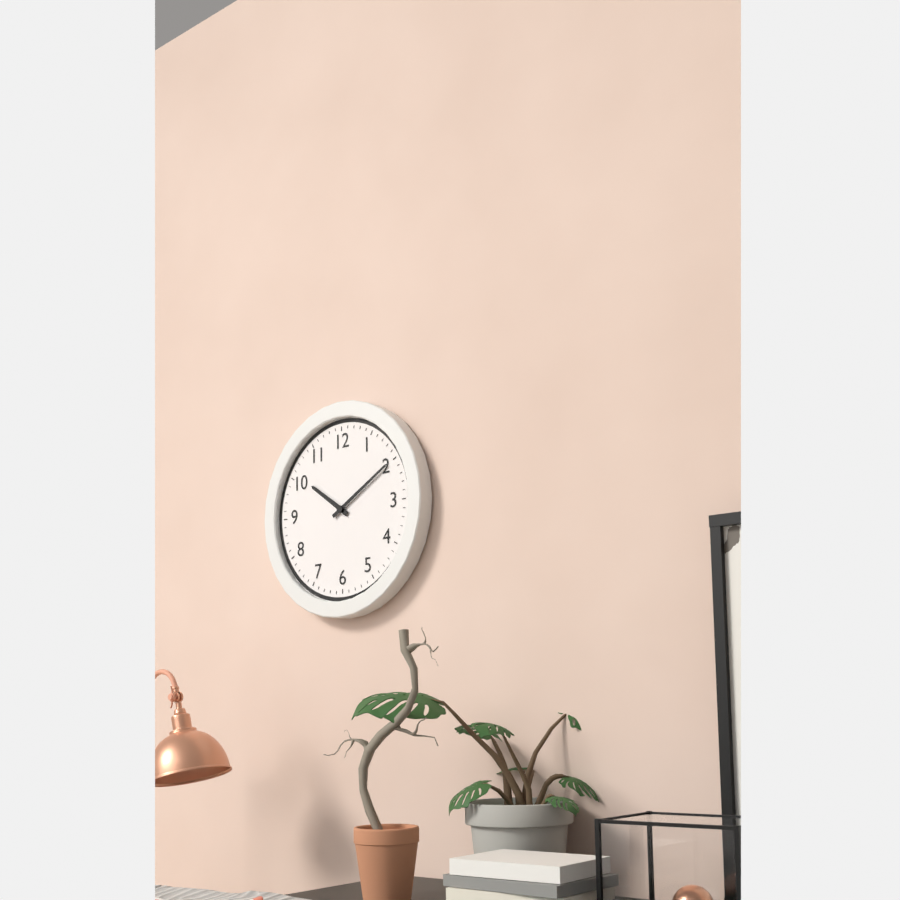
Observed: 10:10
